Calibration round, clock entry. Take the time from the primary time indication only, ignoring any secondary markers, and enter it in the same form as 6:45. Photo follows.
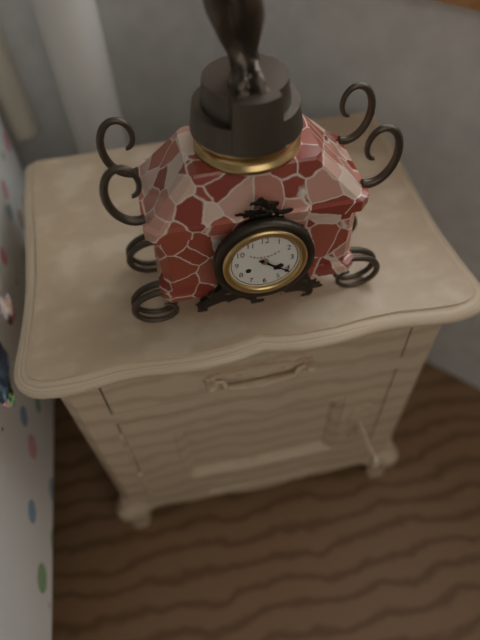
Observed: 4:21
